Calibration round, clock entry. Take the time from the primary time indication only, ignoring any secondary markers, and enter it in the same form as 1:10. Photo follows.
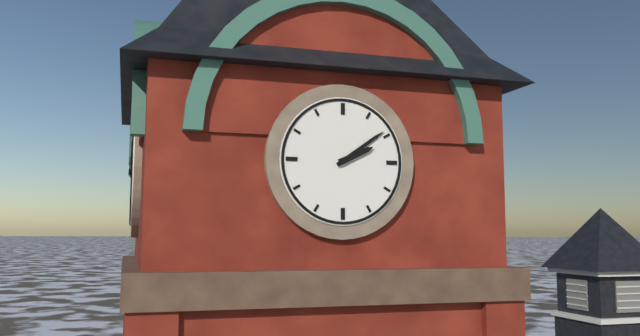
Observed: 2:09
